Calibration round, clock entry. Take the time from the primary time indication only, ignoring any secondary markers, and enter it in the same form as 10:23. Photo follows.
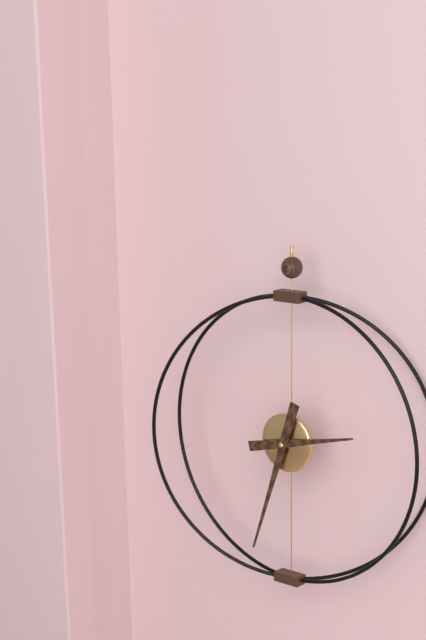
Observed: 2:33
